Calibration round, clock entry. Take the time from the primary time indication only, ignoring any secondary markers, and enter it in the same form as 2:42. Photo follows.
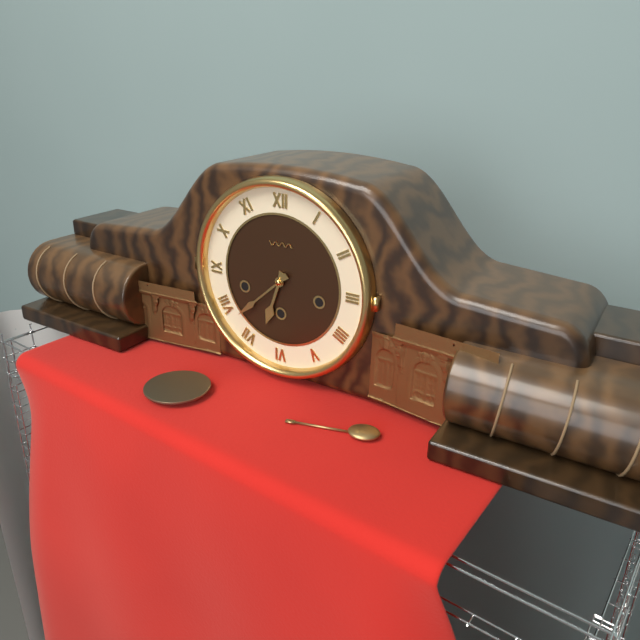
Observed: 6:38
